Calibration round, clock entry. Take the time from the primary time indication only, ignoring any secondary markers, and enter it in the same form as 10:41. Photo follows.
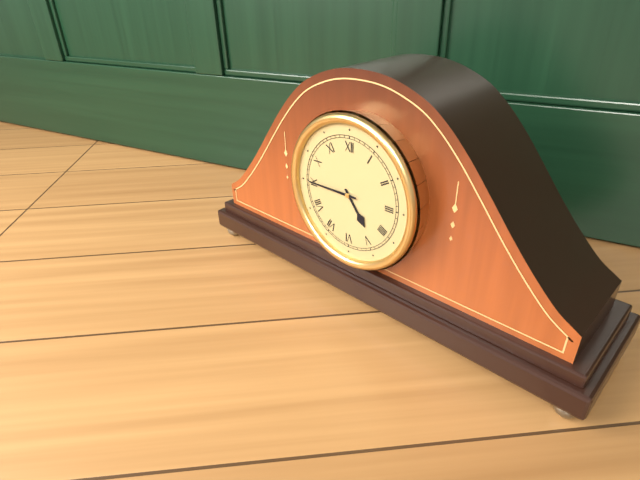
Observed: 4:45
